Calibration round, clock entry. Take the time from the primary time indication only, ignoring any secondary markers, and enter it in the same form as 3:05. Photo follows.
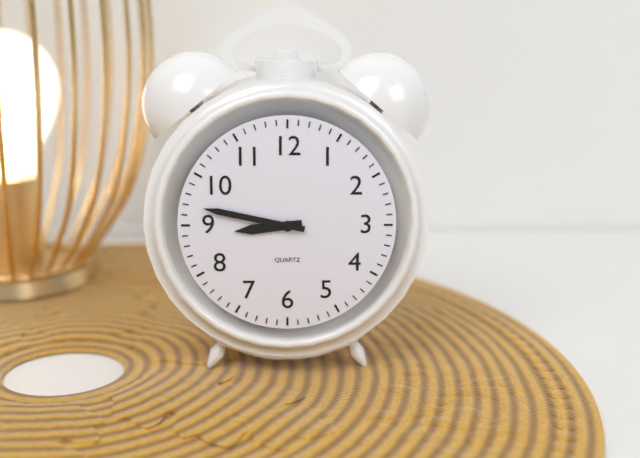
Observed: 8:47
